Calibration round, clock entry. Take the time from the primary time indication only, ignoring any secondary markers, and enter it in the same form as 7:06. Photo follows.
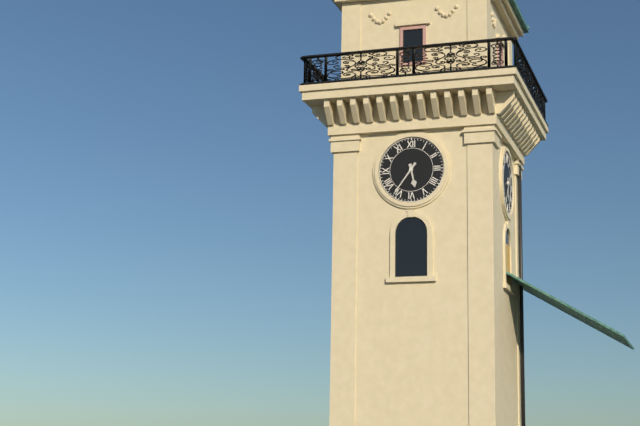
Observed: 5:36
